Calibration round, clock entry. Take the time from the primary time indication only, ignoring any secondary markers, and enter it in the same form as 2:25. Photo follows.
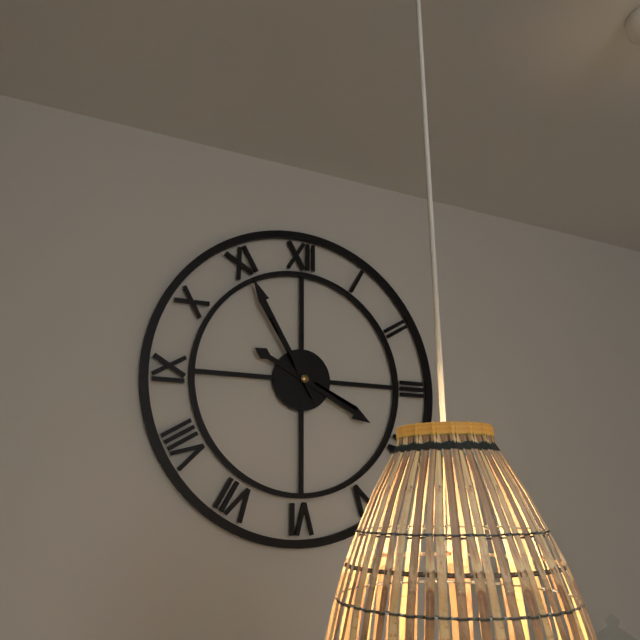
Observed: 3:55
